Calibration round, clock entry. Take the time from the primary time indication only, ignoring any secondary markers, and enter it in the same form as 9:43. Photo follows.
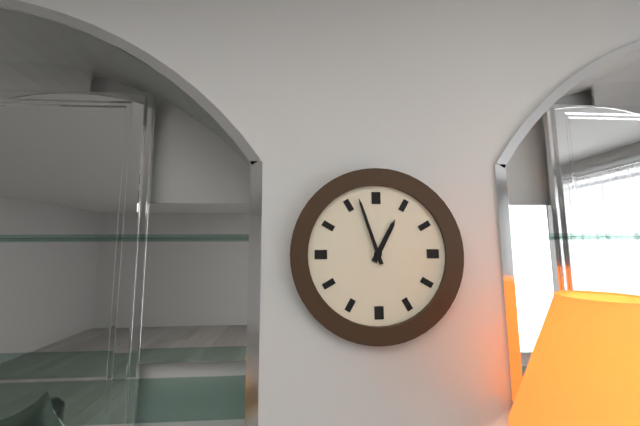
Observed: 12:57
